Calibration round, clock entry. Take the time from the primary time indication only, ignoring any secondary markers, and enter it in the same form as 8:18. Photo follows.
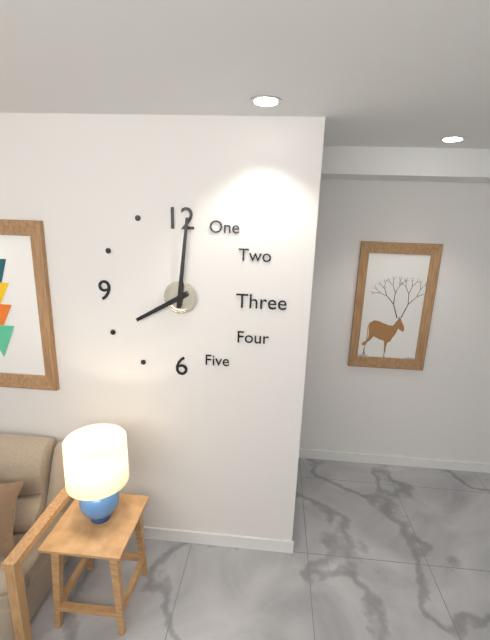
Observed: 8:01
